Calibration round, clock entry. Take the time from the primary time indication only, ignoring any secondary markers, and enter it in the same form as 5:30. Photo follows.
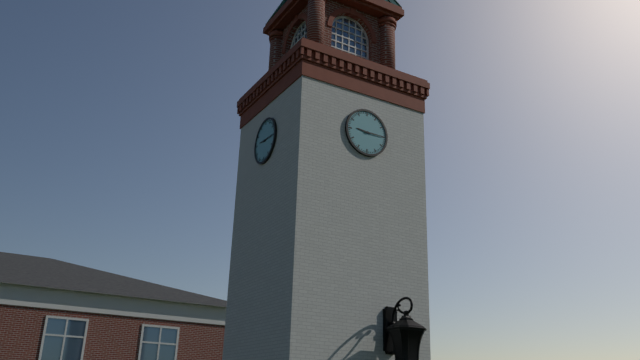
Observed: 9:15
